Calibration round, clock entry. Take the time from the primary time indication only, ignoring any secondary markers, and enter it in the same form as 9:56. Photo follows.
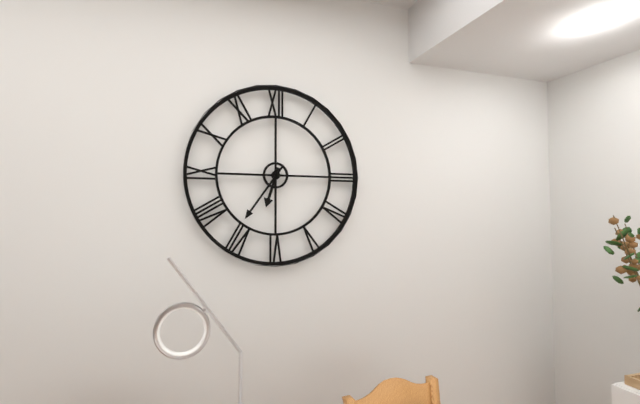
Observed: 6:36
